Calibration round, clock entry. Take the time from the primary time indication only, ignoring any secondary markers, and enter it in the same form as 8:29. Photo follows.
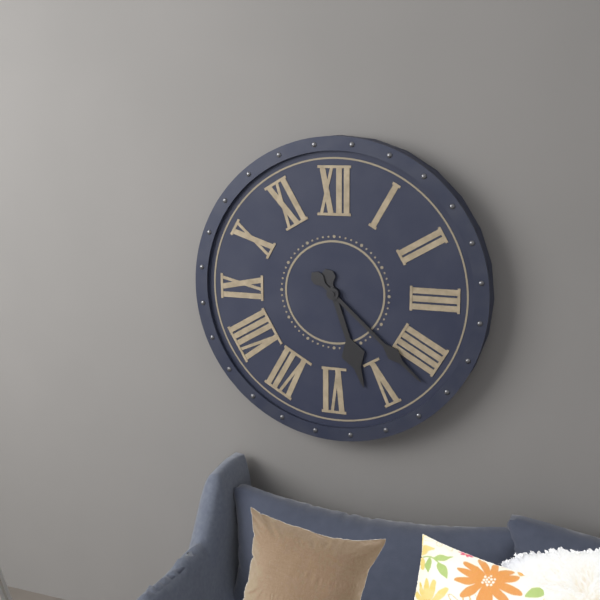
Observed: 5:22
